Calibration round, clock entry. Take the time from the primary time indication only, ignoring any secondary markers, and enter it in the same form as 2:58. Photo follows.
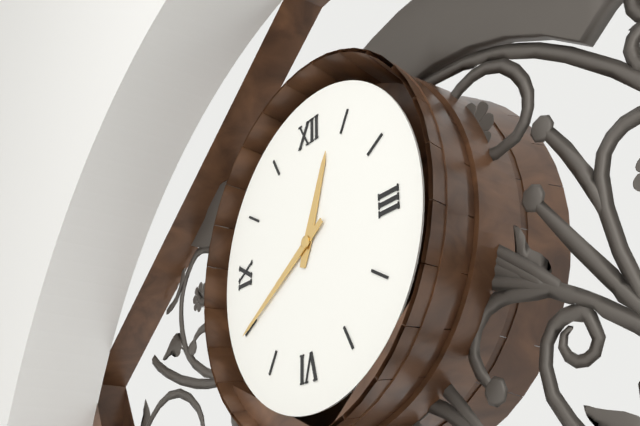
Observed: 12:40
